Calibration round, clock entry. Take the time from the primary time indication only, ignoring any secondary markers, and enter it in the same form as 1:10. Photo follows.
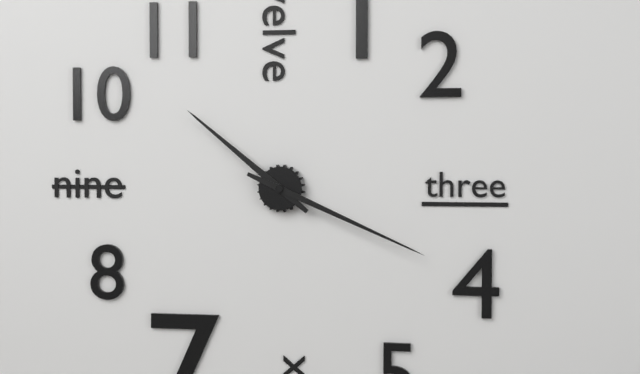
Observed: 10:19
